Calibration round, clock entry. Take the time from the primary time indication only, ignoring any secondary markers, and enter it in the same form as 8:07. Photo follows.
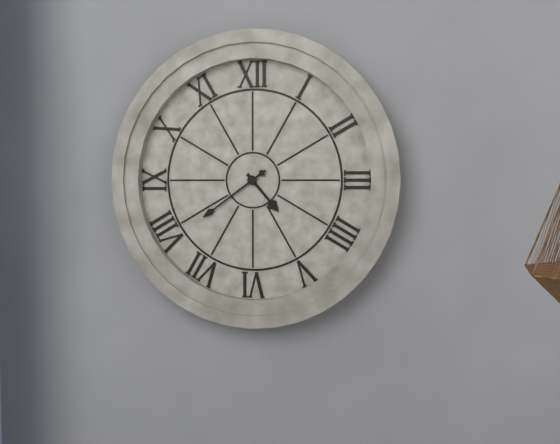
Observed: 4:39
